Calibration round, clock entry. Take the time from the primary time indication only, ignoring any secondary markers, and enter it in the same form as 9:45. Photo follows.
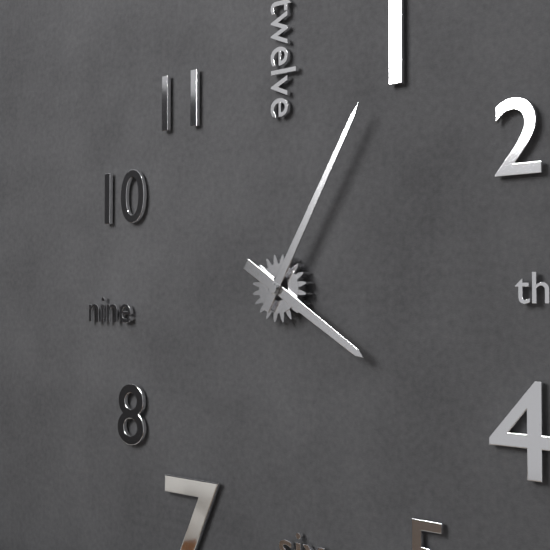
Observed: 4:05
